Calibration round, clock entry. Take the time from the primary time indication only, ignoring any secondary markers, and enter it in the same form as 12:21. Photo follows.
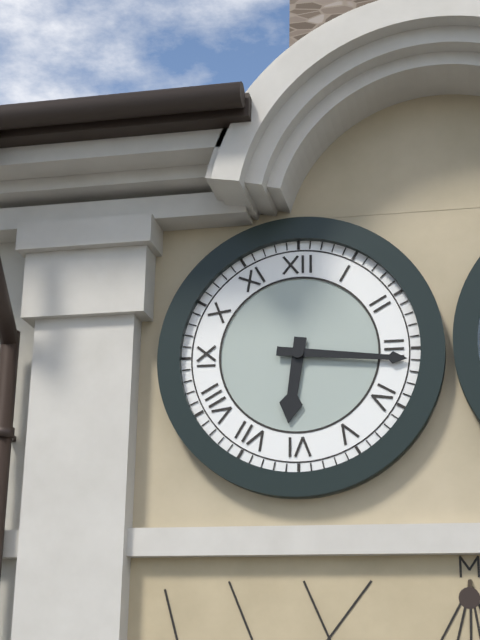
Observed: 6:16
